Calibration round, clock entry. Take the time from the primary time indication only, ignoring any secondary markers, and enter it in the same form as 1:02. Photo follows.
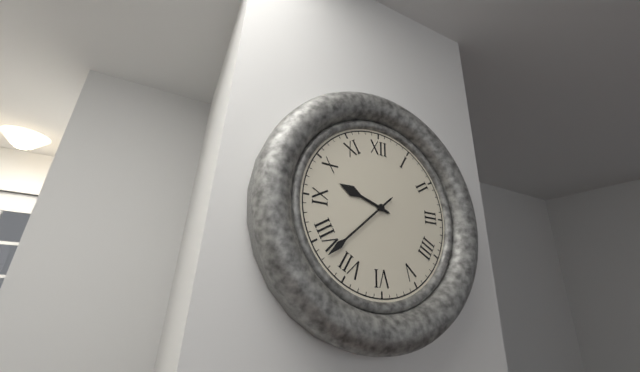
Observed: 9:38
